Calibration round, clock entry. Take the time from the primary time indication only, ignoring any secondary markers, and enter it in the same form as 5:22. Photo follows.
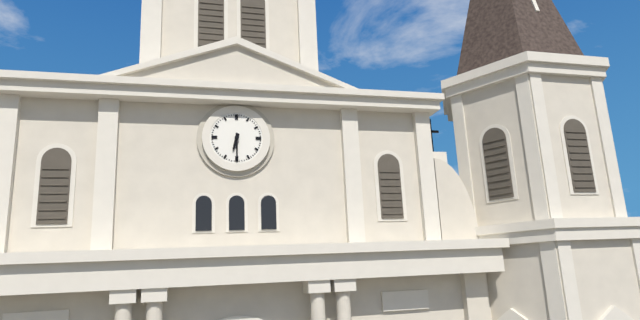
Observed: 6:30
